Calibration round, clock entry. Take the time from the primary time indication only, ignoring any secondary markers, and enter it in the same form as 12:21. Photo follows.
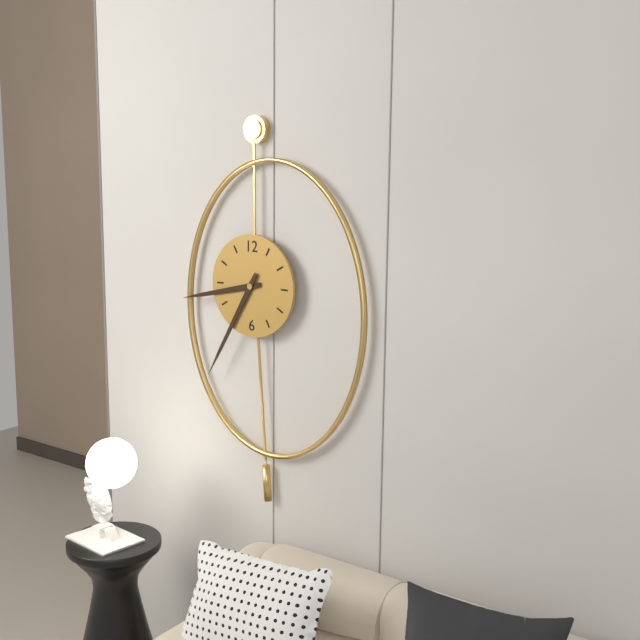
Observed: 8:35
